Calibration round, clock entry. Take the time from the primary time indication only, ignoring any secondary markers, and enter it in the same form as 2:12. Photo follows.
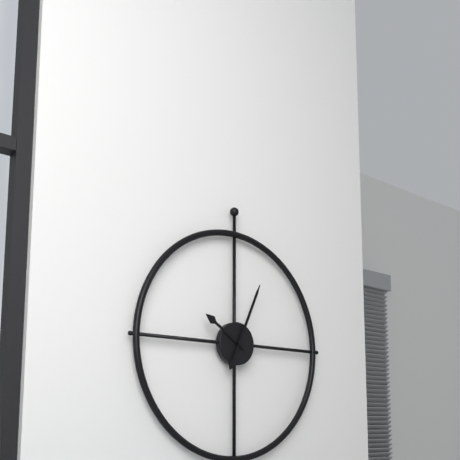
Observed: 10:04
